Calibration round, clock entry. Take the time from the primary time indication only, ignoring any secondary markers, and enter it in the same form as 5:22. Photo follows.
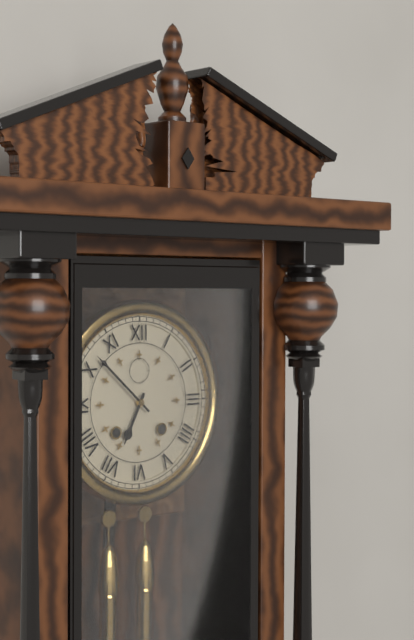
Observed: 6:52
